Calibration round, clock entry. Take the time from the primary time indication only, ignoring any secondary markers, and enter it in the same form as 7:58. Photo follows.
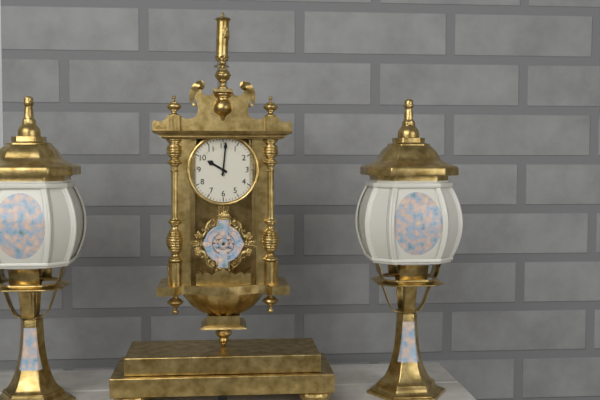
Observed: 10:01
